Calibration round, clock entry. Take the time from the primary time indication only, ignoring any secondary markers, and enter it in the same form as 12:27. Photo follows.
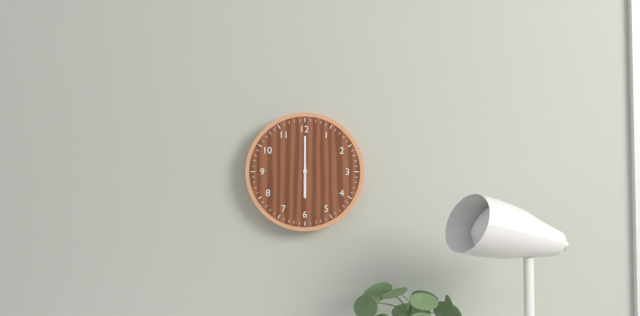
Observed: 6:00
